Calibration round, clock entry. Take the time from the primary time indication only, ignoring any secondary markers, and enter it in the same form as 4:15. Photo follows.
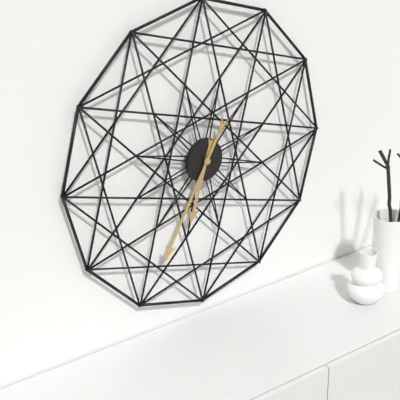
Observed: 6:35
